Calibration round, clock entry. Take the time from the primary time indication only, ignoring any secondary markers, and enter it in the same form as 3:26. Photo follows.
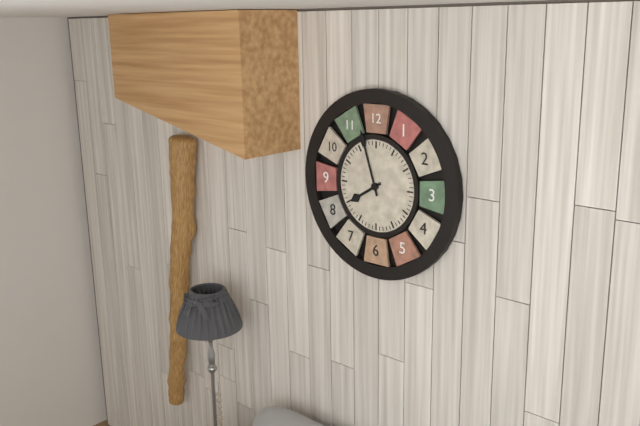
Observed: 7:57
